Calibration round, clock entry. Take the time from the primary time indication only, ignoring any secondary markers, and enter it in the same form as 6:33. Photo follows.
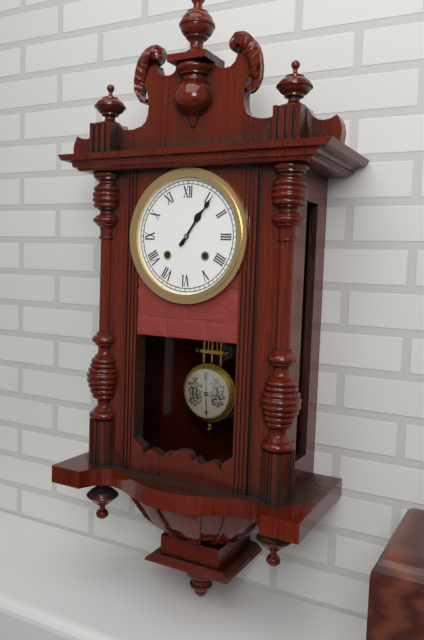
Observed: 1:06
